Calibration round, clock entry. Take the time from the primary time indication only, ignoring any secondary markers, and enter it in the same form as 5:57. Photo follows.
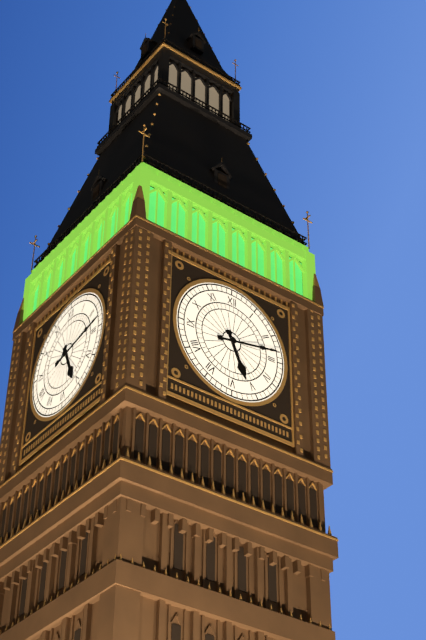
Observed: 5:13
